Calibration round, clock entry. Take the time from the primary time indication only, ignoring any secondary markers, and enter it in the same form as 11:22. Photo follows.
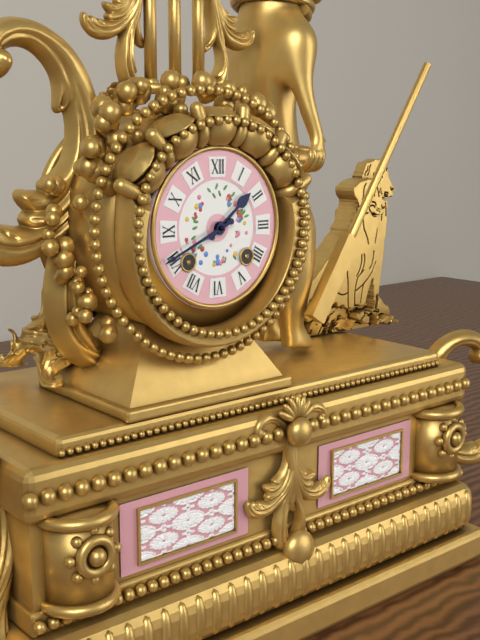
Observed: 1:41
